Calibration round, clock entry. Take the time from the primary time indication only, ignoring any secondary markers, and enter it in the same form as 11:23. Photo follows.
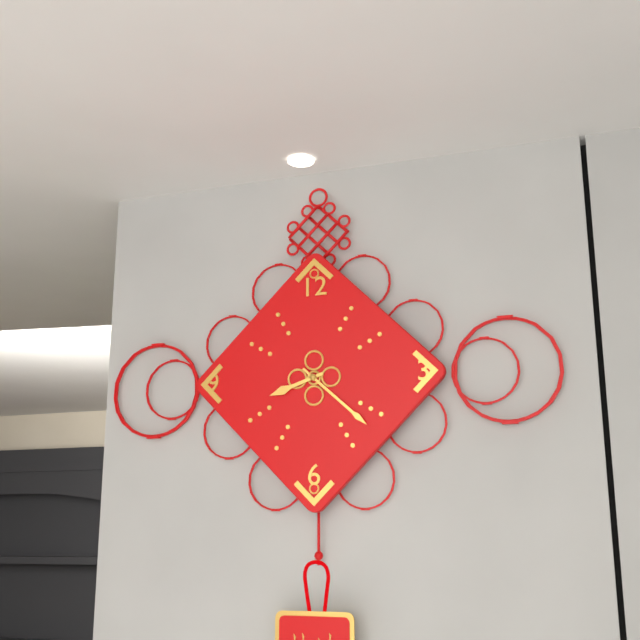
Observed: 8:22
